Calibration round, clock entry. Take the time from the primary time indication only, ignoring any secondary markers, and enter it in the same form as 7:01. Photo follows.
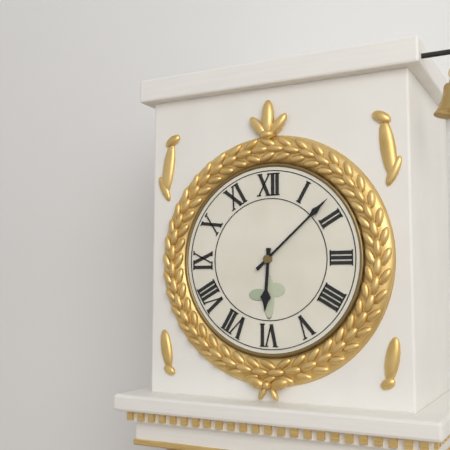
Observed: 6:08
